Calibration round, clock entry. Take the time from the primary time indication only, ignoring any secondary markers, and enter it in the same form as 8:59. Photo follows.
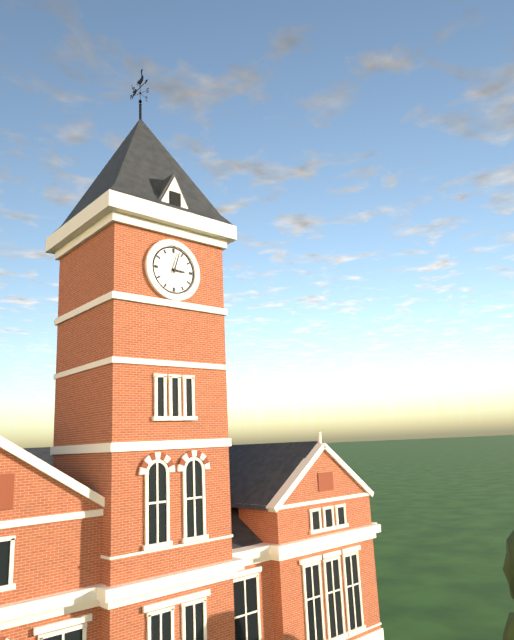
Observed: 3:03
